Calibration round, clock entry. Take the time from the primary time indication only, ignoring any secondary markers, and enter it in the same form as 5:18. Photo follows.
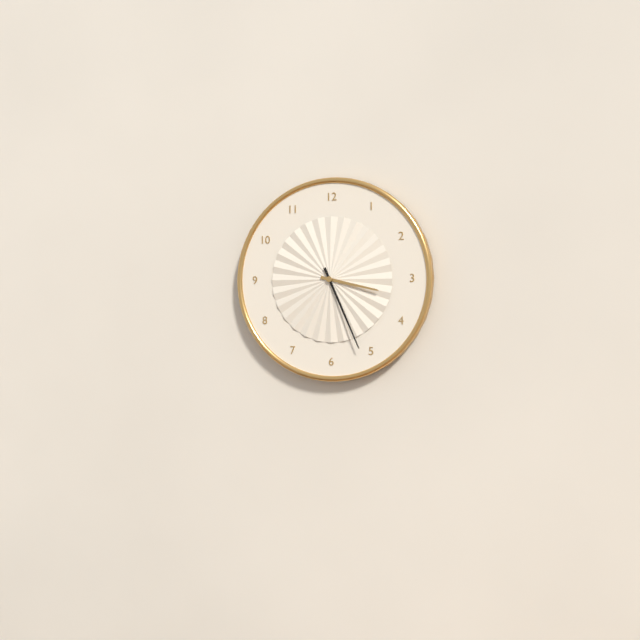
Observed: 3:26
